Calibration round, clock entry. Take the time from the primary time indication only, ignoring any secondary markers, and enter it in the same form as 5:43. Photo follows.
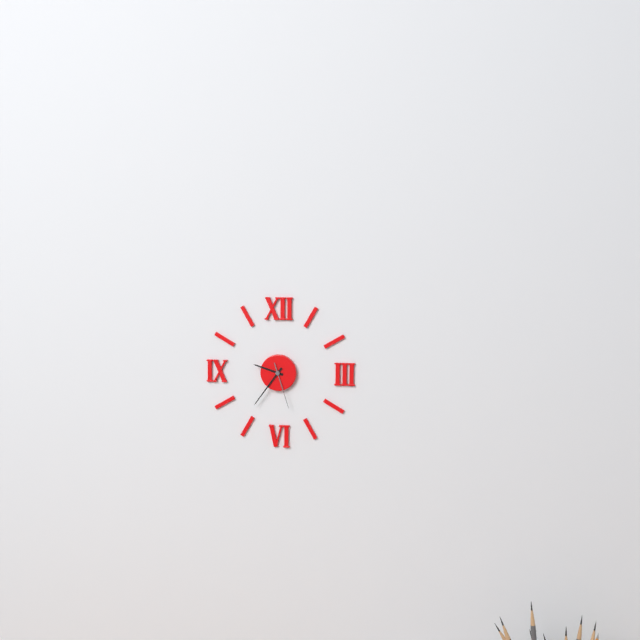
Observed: 9:36
